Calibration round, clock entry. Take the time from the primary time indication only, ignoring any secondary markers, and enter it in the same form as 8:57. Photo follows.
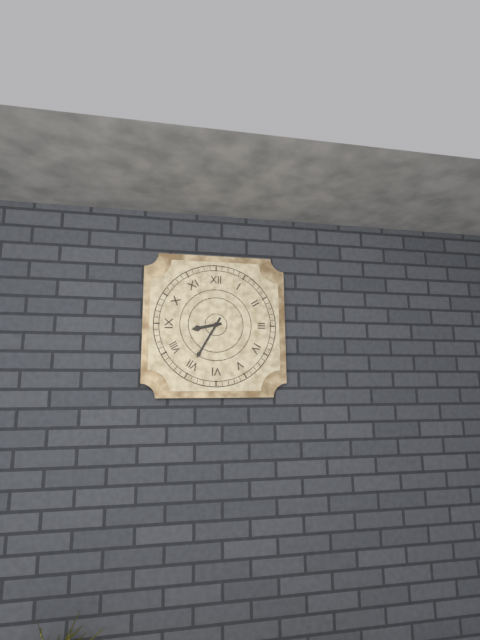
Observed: 8:35
